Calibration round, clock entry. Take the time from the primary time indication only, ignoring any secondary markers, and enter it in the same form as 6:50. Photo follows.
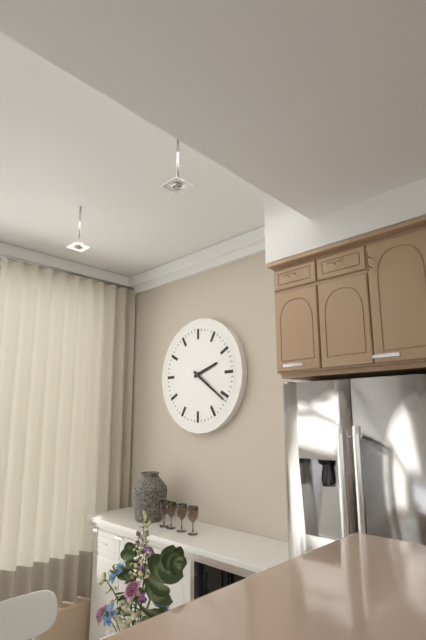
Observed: 2:21
